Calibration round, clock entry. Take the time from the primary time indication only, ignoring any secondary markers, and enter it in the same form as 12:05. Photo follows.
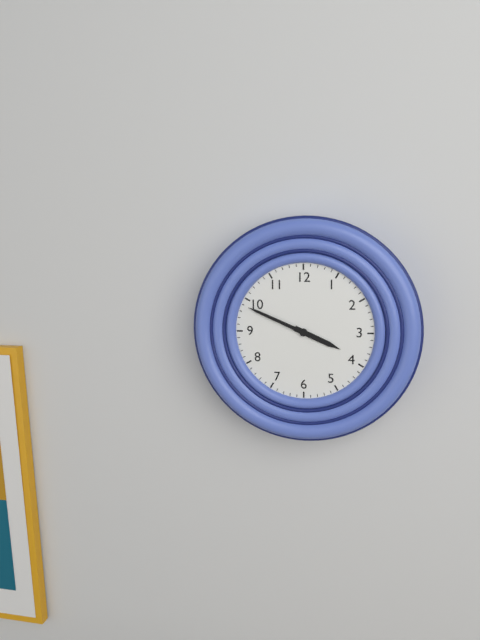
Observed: 3:49
